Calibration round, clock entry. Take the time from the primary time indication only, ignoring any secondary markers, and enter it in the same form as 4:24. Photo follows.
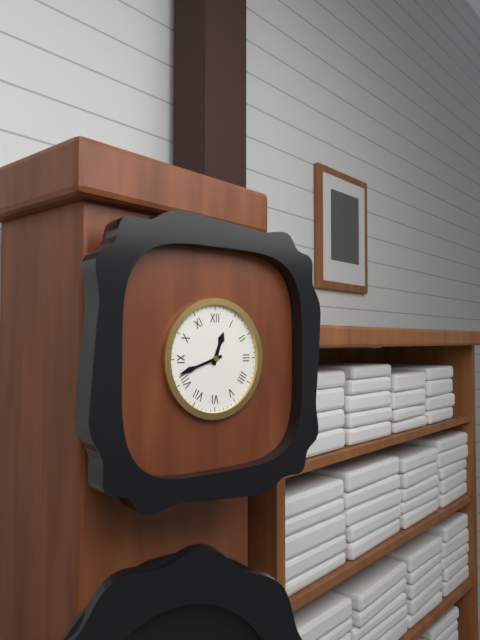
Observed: 12:42
